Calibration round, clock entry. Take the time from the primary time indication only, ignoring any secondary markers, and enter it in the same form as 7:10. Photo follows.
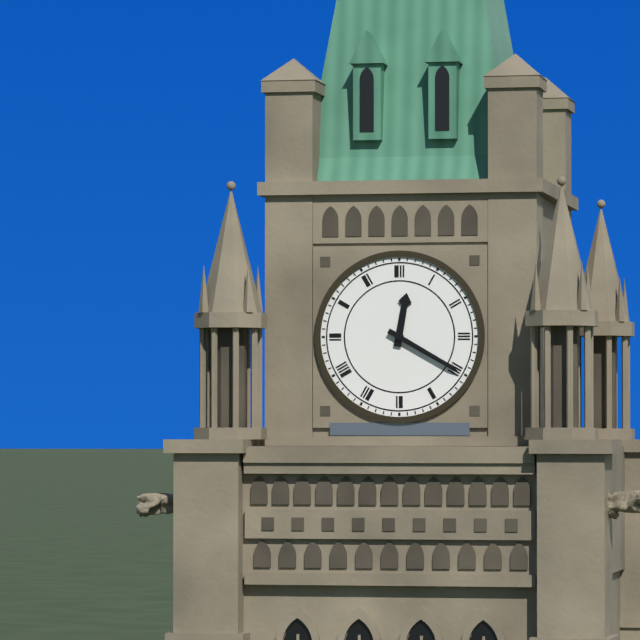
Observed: 12:20
